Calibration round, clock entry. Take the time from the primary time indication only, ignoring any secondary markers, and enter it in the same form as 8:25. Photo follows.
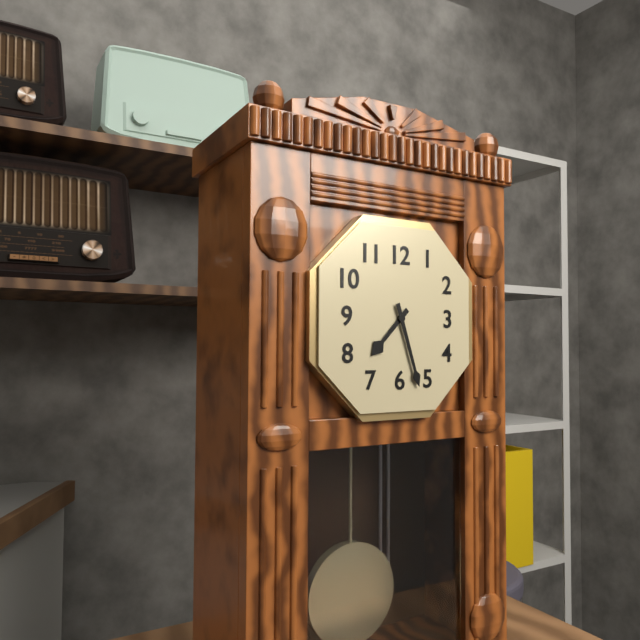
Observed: 7:27
